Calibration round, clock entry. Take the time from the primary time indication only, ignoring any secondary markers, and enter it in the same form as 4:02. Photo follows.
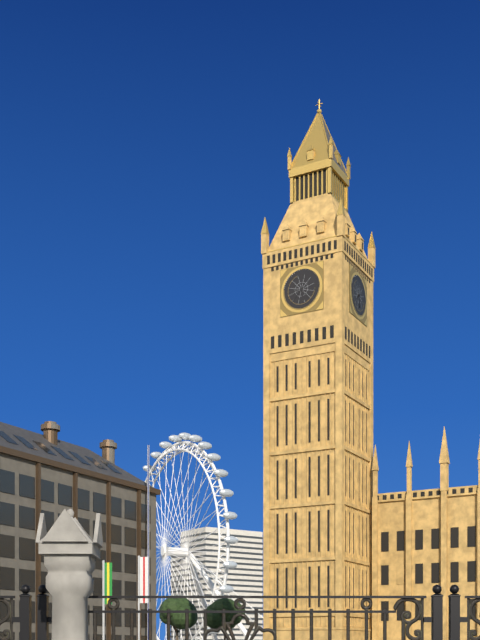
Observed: 5:37
